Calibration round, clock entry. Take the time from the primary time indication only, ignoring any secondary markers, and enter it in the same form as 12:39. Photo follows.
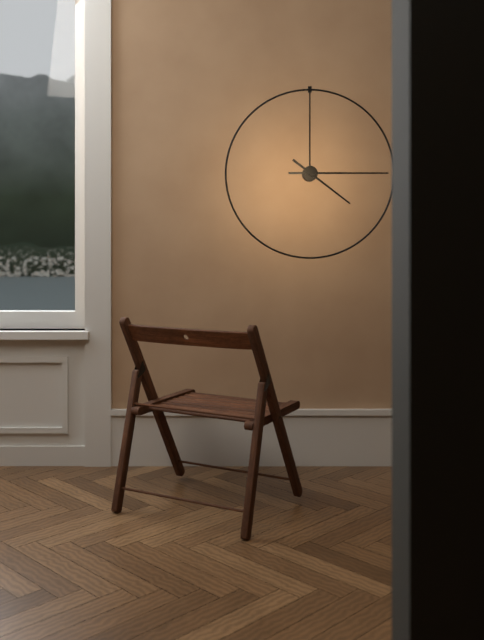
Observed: 4:15
